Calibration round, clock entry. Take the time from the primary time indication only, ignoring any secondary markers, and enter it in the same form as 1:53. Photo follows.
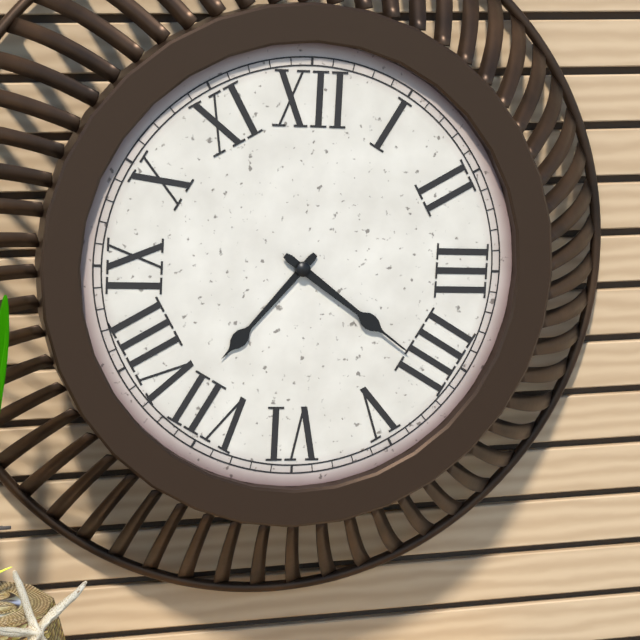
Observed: 7:21
